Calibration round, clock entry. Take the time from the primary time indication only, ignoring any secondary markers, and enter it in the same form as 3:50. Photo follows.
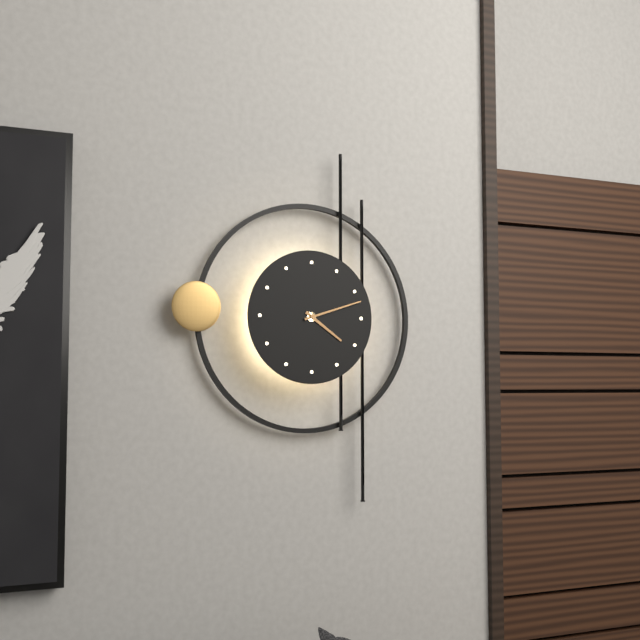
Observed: 4:12
